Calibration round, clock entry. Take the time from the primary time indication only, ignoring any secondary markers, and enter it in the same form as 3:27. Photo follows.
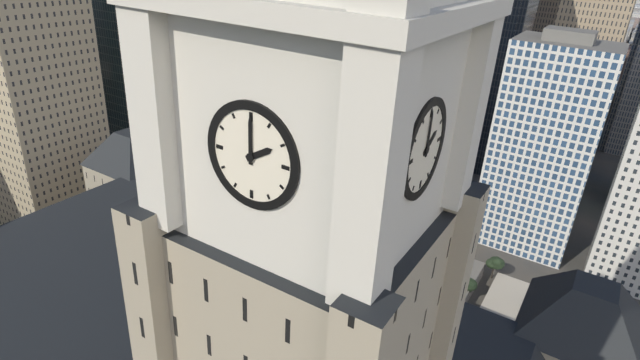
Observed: 2:00
